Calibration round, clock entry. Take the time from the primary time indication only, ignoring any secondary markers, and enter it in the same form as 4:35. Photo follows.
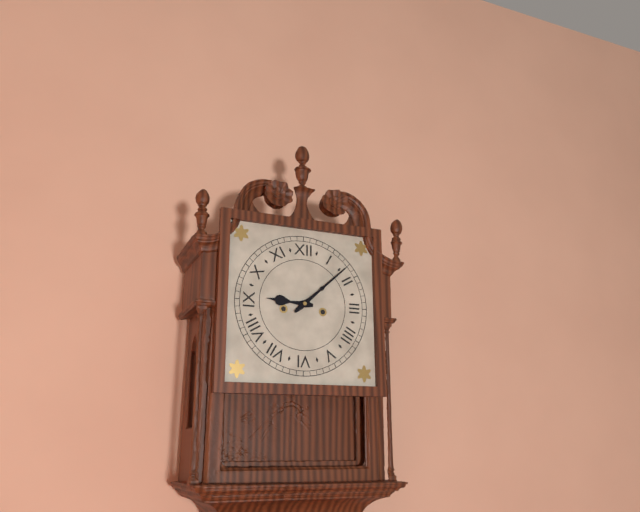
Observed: 9:08
